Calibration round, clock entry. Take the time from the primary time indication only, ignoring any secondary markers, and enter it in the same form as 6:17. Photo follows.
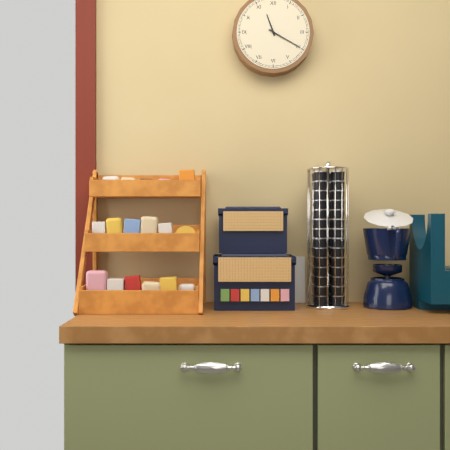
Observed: 11:20
